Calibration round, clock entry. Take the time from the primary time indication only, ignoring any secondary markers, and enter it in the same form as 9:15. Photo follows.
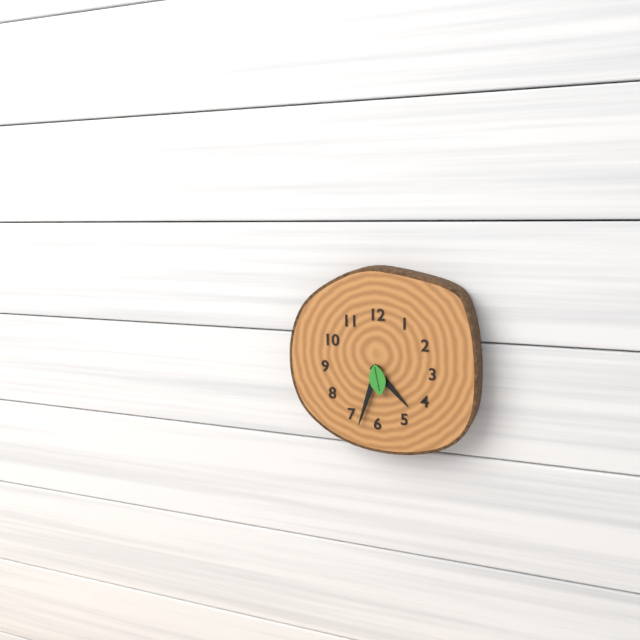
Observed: 4:33
